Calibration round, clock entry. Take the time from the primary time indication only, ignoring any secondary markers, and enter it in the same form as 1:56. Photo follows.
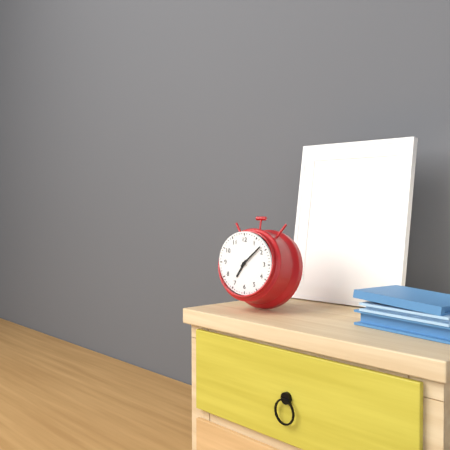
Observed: 7:08
